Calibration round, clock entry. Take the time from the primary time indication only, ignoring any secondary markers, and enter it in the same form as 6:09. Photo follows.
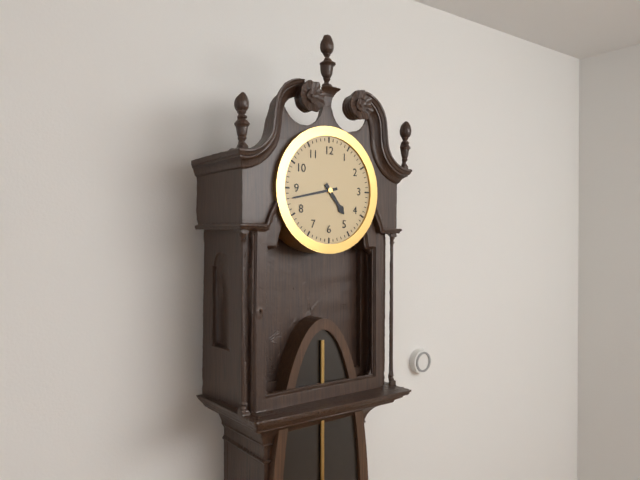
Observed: 4:43
